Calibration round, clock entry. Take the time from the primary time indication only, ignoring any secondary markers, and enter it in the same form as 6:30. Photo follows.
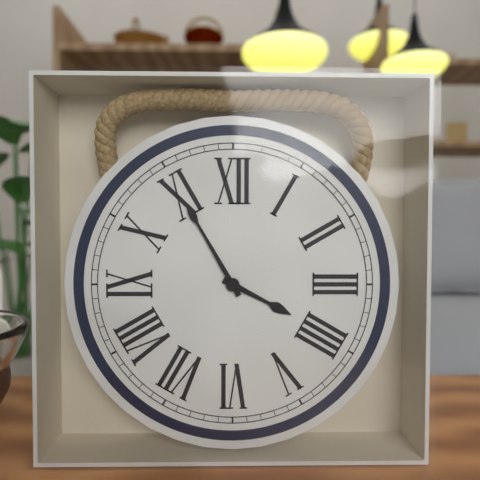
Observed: 3:55
